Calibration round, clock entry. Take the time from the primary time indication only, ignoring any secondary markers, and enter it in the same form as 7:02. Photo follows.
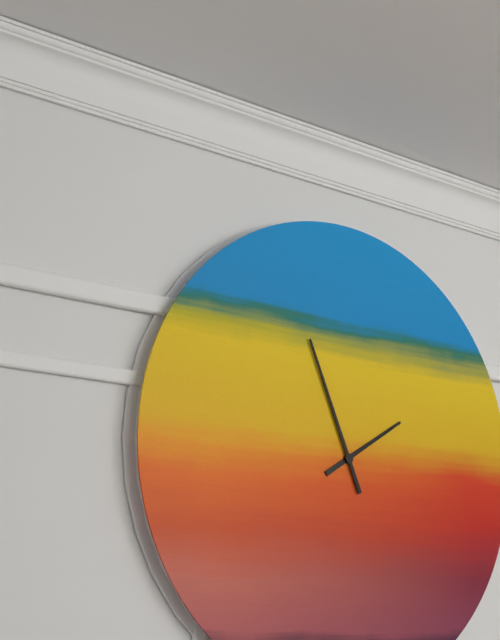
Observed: 1:56
